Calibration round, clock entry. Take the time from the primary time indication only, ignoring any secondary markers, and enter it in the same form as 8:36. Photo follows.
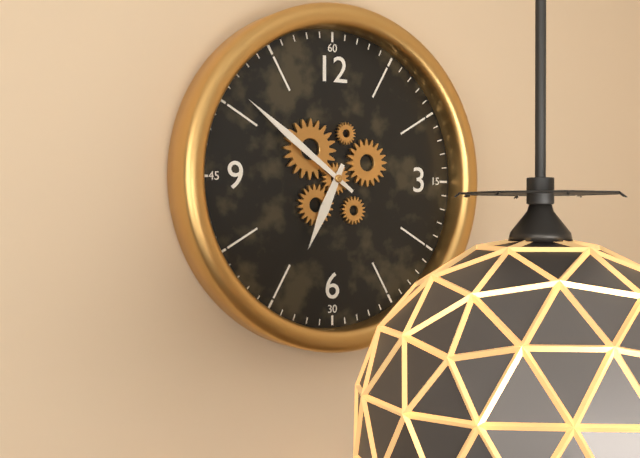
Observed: 6:51
